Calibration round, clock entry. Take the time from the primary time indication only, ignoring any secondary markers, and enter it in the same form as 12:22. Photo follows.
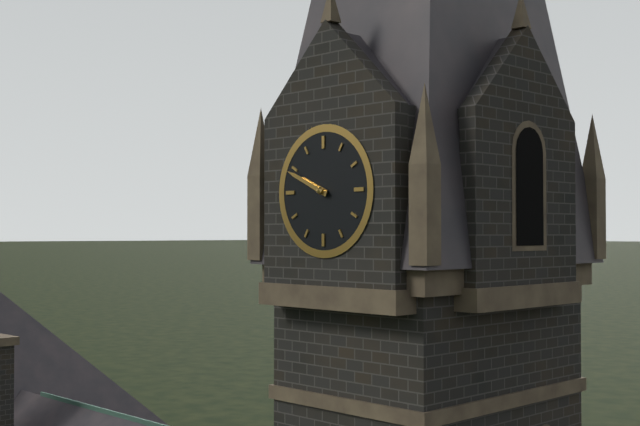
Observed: 9:49
